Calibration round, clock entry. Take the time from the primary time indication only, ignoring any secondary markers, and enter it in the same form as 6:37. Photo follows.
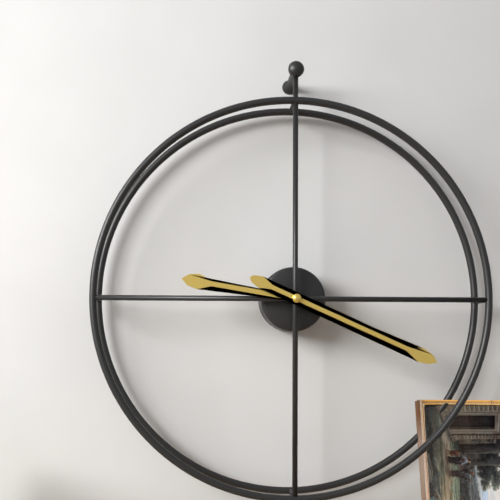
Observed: 9:19
